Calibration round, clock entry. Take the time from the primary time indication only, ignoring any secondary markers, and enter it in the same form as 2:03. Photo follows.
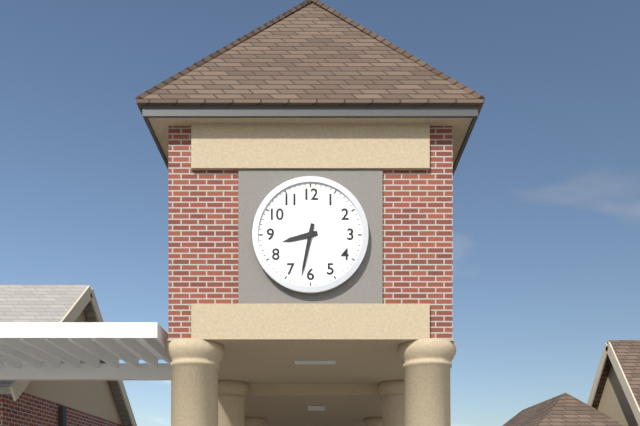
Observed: 8:32
